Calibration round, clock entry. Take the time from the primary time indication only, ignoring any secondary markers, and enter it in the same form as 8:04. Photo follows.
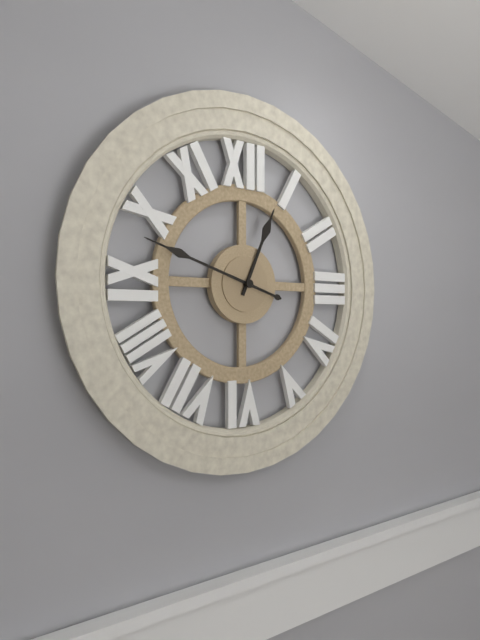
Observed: 12:48
